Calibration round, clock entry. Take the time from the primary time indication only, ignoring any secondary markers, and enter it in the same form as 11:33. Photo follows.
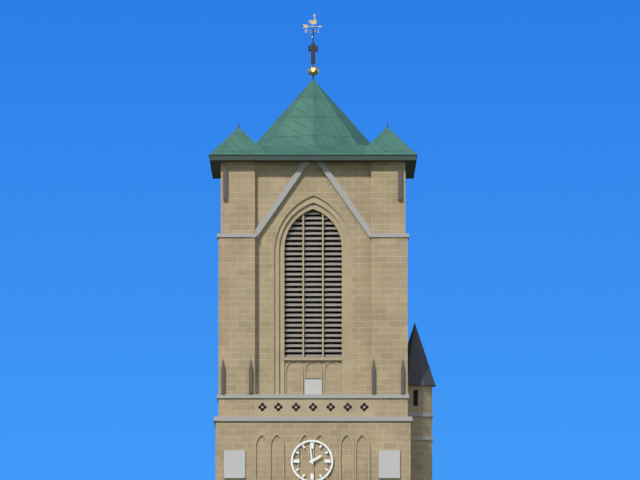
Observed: 1:59
